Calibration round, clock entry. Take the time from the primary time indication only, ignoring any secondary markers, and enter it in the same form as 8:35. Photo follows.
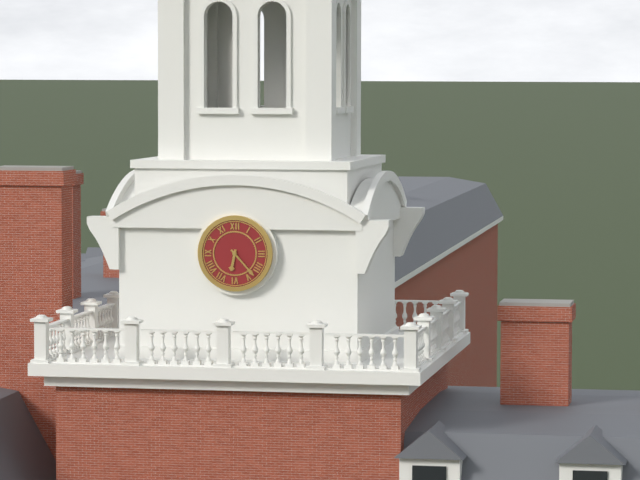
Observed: 6:23
